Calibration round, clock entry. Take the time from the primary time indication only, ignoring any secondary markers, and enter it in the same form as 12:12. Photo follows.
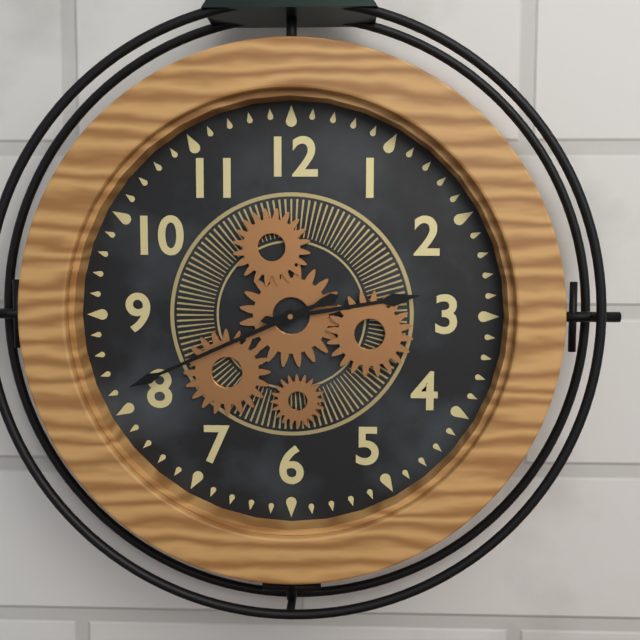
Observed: 2:41
